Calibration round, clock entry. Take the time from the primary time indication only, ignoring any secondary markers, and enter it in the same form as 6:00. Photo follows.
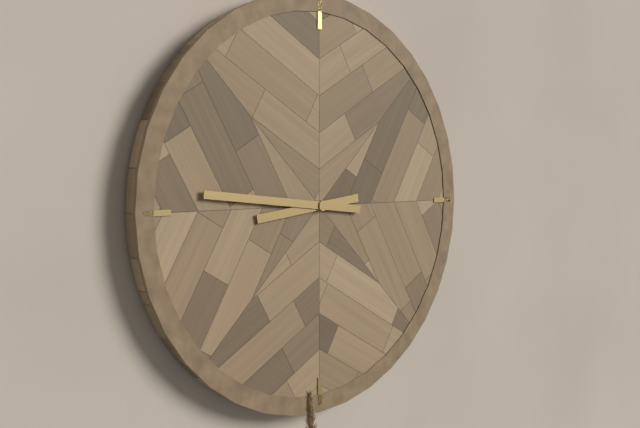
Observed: 8:46
